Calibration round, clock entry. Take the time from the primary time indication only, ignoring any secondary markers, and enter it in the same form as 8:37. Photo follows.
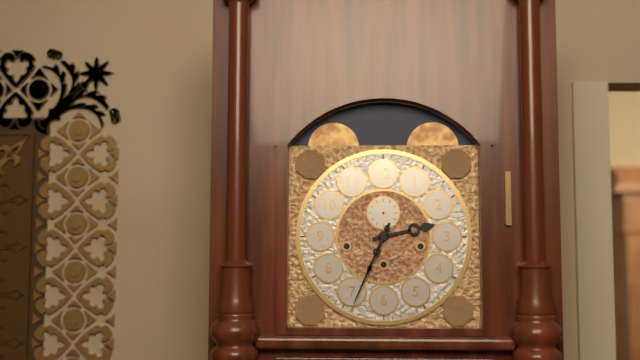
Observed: 2:34
